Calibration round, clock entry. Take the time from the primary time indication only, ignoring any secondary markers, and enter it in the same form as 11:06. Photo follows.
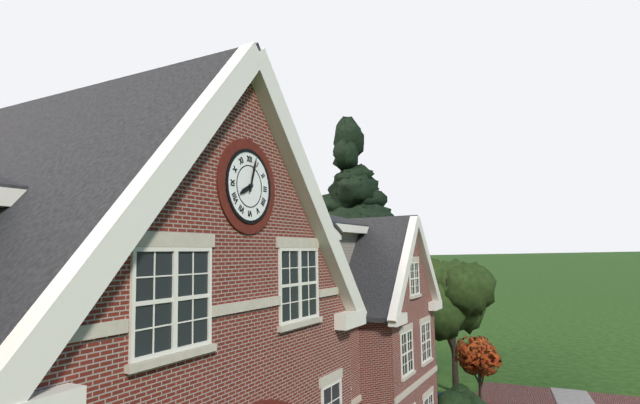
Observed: 8:03
